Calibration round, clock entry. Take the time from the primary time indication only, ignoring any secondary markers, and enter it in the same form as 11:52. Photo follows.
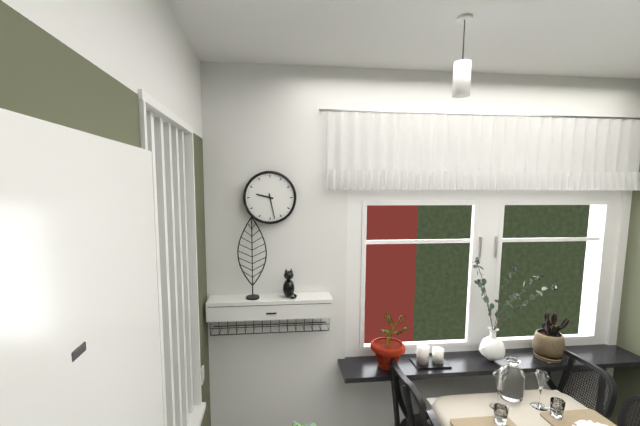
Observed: 9:28
